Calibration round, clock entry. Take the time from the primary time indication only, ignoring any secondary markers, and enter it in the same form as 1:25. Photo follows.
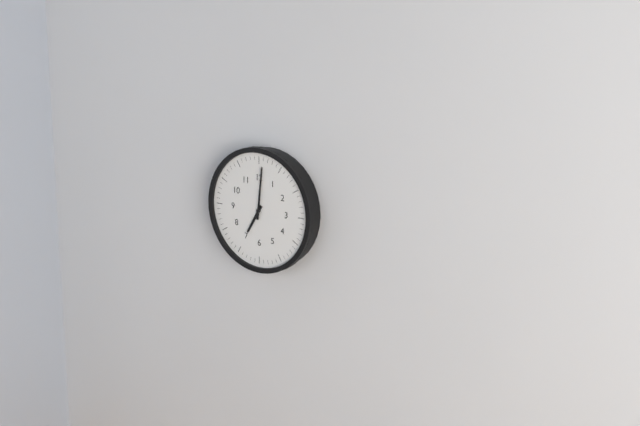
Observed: 7:01
